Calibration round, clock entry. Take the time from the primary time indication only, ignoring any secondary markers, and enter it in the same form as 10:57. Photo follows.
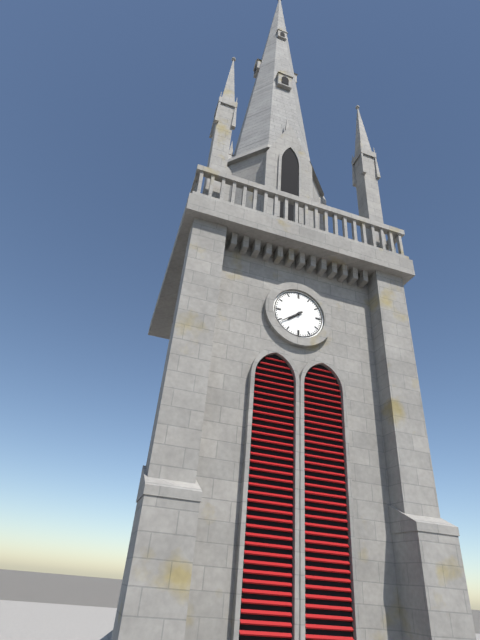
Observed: 7:39
